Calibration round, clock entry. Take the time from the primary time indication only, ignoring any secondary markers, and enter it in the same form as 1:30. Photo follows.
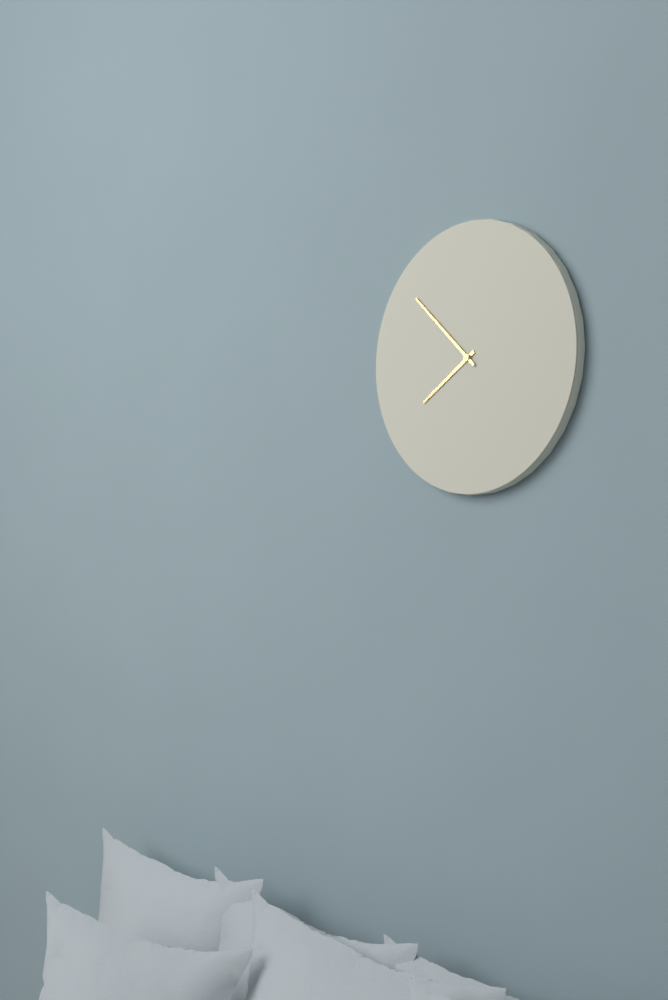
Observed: 7:52
